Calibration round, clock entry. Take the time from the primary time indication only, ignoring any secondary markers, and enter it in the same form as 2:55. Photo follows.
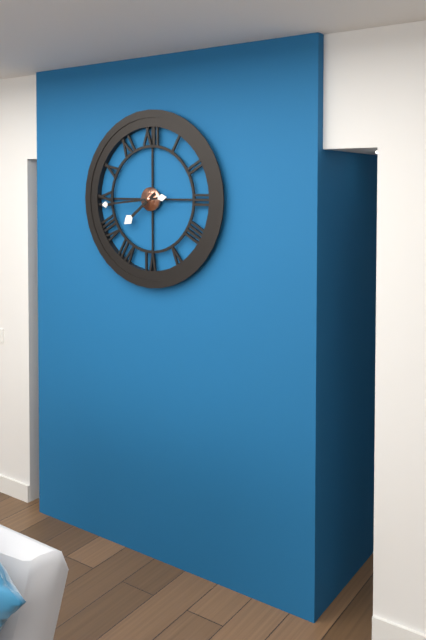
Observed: 7:44
